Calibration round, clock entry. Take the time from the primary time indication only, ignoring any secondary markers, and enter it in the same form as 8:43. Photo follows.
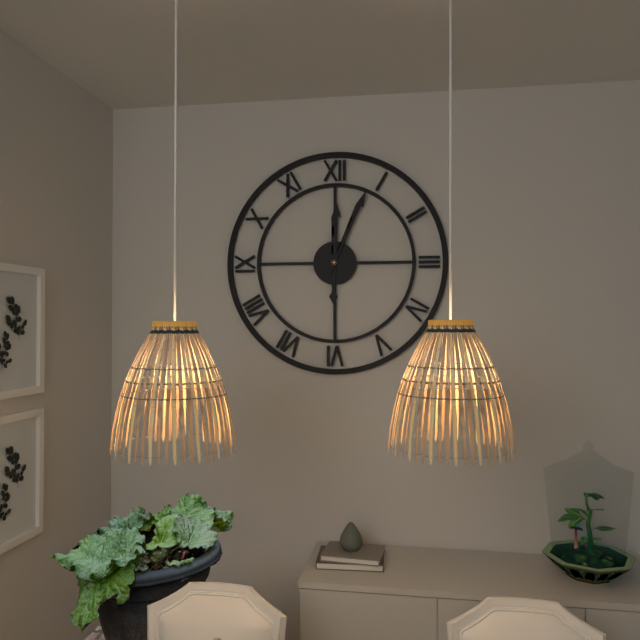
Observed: 12:04
